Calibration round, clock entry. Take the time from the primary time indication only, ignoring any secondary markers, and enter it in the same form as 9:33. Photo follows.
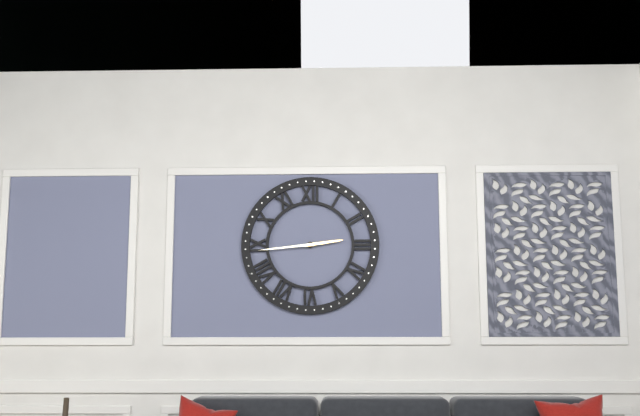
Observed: 2:44
